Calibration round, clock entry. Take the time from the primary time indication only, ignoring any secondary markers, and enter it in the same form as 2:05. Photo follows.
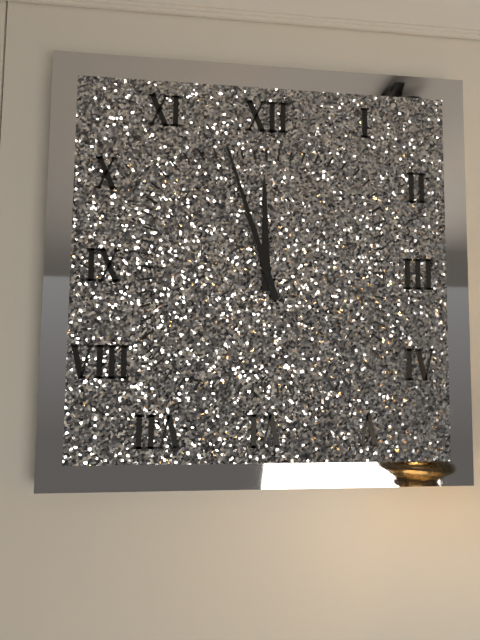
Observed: 11:57
